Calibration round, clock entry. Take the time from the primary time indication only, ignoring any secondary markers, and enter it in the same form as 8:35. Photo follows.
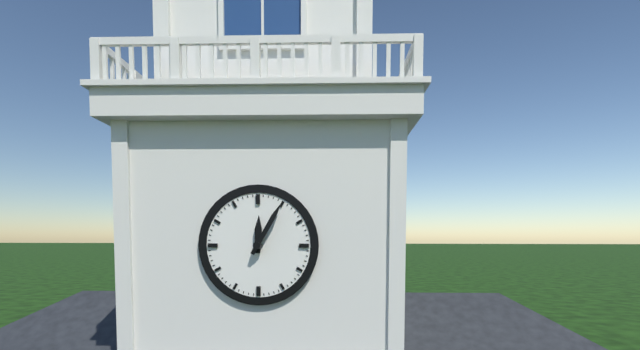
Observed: 12:05
